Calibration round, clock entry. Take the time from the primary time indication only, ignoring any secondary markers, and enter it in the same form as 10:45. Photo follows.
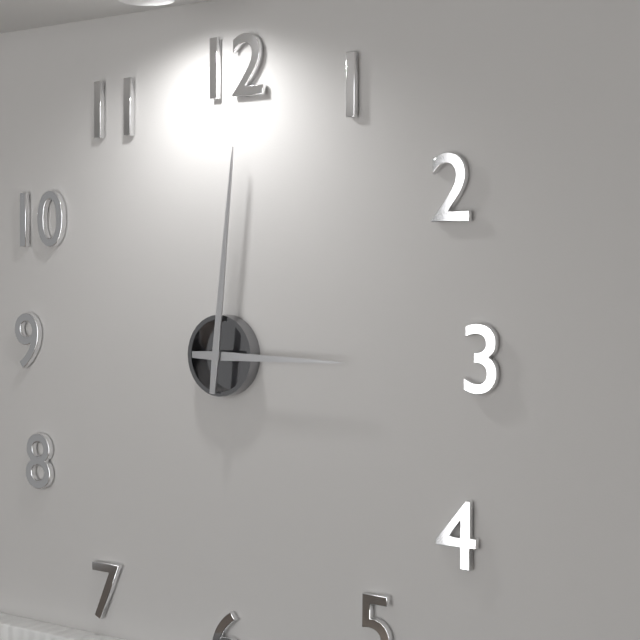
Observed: 3:01
